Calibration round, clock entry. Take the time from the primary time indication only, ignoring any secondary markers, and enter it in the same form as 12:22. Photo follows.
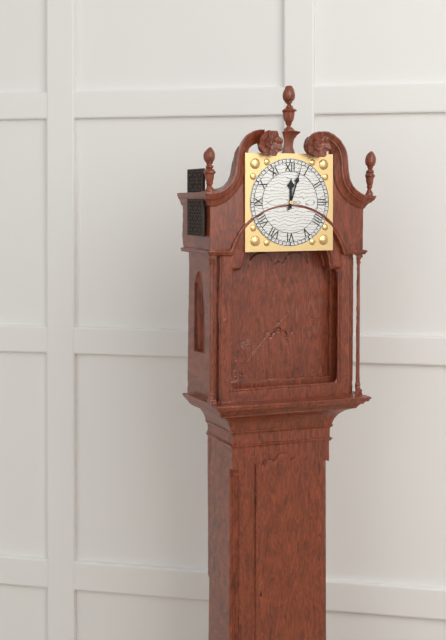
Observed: 12:03
